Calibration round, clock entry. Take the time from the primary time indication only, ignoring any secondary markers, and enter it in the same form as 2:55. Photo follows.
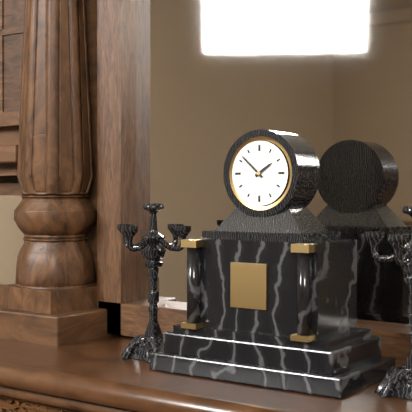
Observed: 1:52
